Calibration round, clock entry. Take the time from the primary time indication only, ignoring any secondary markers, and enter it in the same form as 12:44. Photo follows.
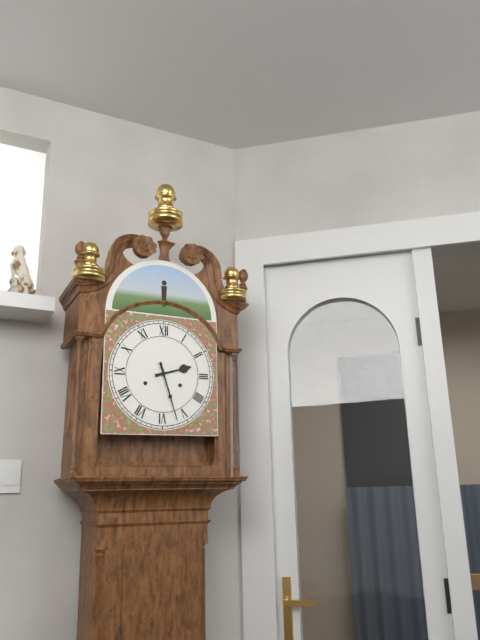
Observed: 2:27
